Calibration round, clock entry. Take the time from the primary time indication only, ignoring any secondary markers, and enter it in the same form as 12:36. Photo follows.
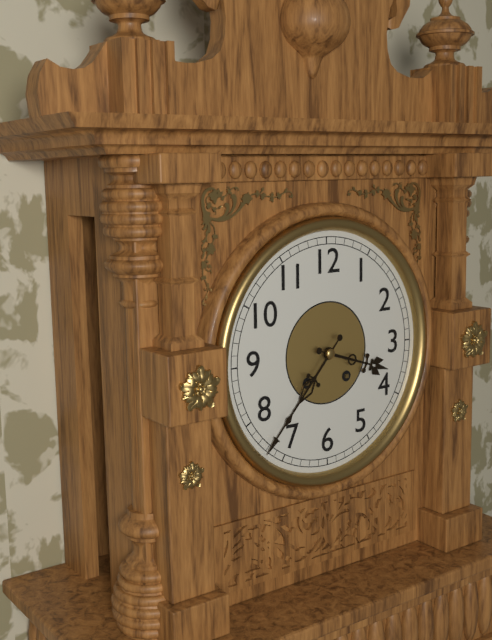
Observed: 3:37
